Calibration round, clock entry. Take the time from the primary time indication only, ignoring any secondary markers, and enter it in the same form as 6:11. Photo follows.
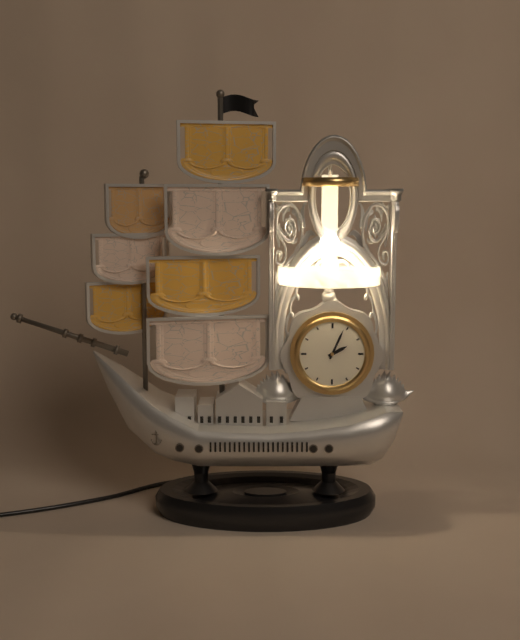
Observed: 2:04
